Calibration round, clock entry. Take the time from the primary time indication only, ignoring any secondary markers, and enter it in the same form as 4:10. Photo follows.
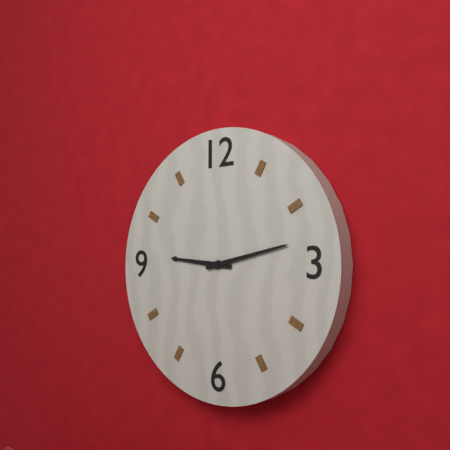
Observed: 9:13
